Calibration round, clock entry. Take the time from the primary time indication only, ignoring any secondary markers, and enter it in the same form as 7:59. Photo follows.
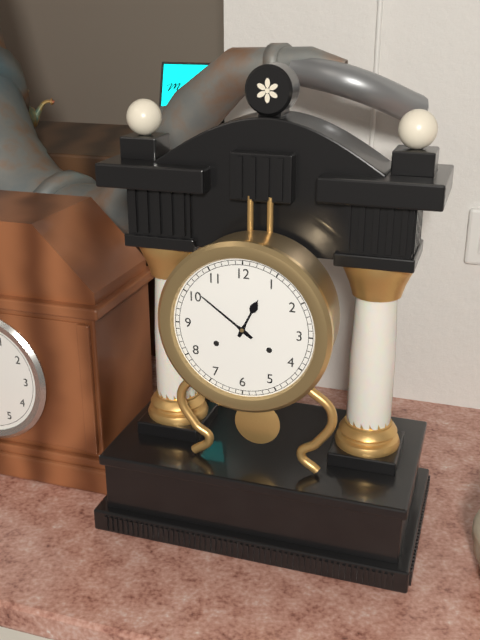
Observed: 12:51
